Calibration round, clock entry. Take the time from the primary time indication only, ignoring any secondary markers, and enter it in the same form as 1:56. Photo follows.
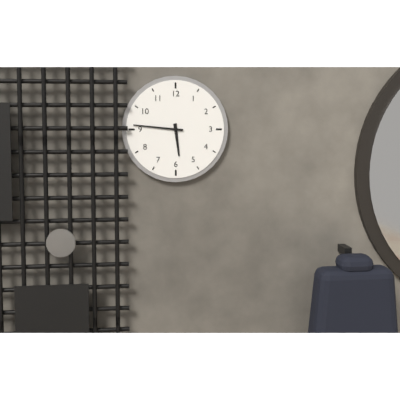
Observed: 5:46
